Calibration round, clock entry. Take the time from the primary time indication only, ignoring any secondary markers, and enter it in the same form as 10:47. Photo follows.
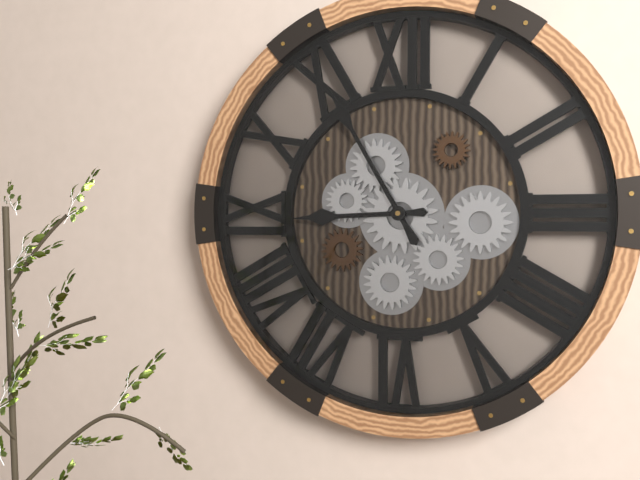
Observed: 8:55
